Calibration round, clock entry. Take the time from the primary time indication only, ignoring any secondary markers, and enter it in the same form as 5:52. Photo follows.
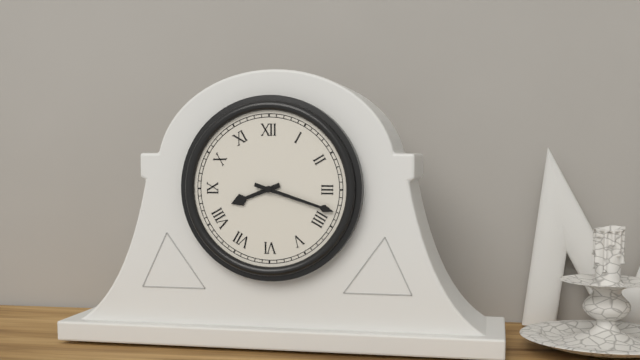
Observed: 8:18
